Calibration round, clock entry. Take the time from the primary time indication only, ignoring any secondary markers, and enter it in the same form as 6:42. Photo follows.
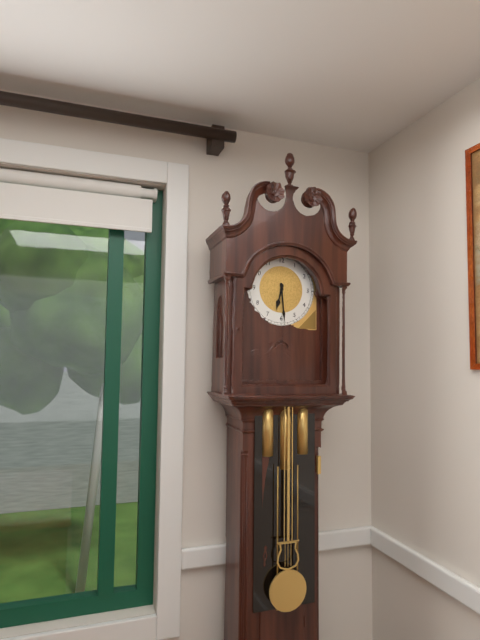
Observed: 6:29
